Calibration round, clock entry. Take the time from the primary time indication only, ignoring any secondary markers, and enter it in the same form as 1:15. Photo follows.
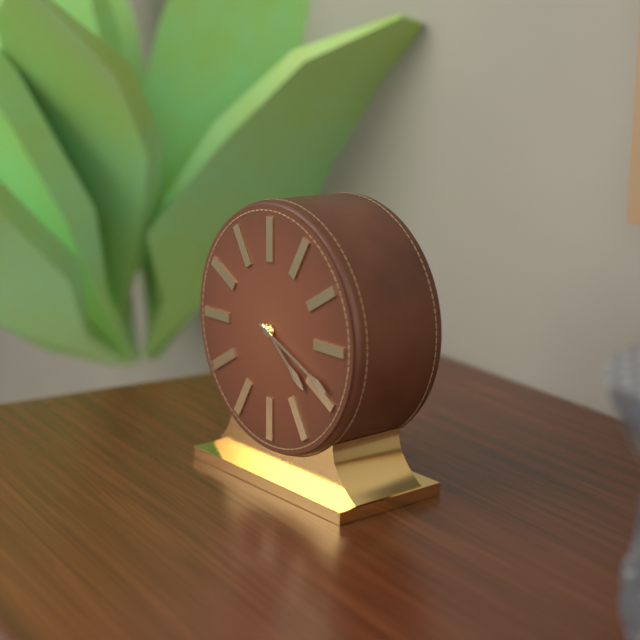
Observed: 4:19
